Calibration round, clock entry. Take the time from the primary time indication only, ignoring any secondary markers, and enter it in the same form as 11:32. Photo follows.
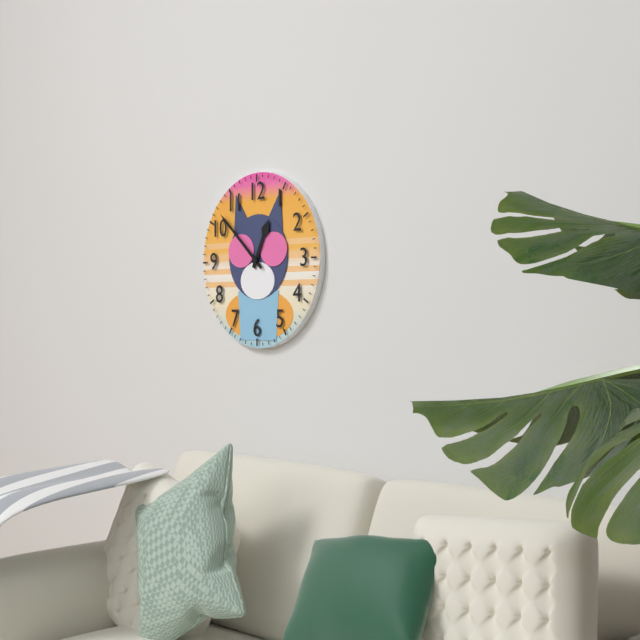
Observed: 12:52
